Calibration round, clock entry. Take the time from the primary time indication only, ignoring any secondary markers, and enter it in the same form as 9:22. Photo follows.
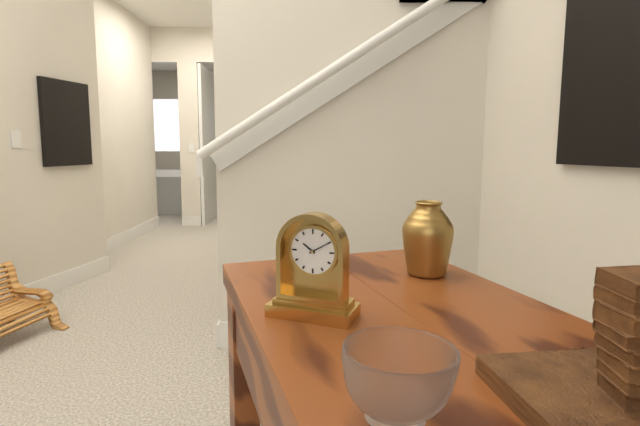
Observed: 10:10
